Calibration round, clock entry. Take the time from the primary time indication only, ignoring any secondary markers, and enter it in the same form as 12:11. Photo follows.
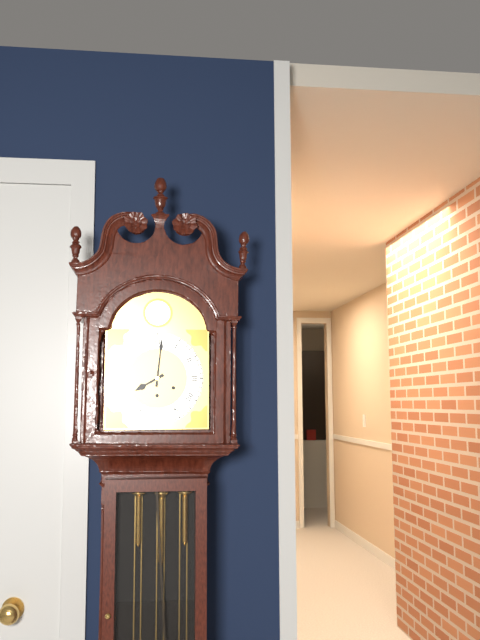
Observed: 8:01
